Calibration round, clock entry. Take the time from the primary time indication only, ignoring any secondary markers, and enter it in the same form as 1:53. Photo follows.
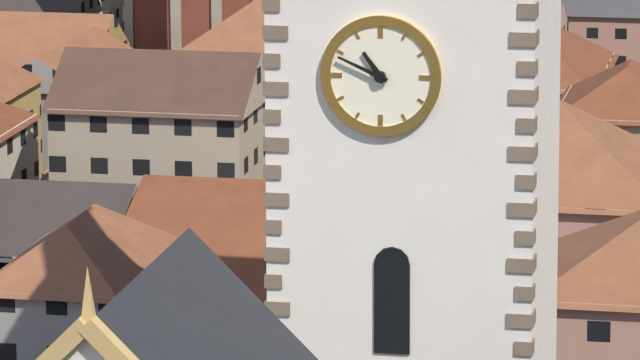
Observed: 10:49
